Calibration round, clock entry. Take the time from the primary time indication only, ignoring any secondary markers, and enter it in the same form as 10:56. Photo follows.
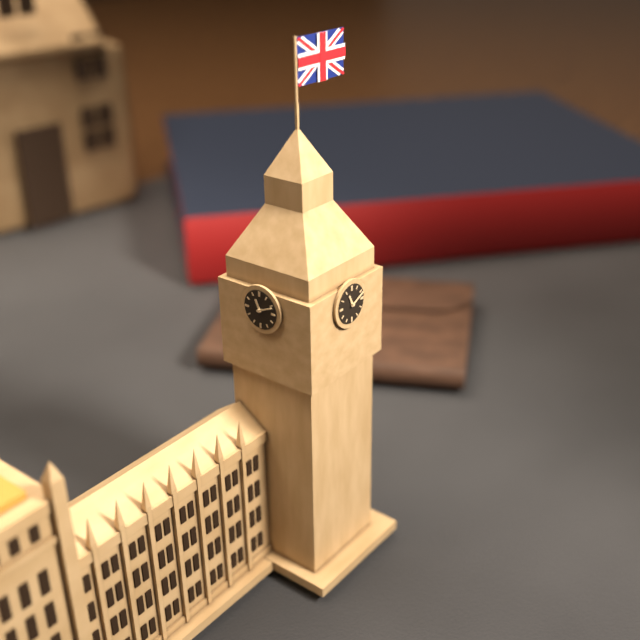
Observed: 11:11
